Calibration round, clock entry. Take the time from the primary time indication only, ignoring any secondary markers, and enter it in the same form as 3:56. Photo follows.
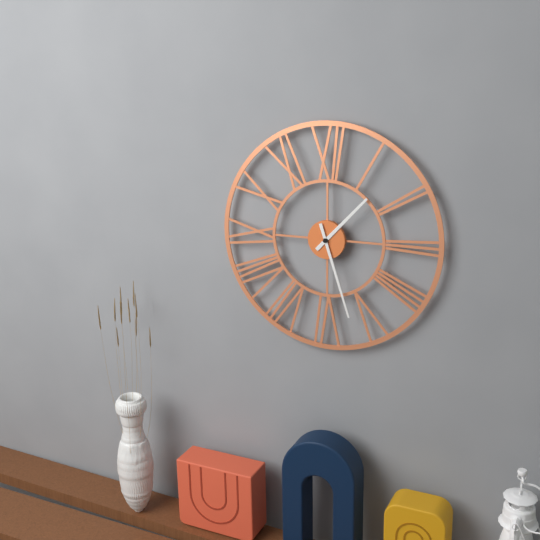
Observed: 1:27
